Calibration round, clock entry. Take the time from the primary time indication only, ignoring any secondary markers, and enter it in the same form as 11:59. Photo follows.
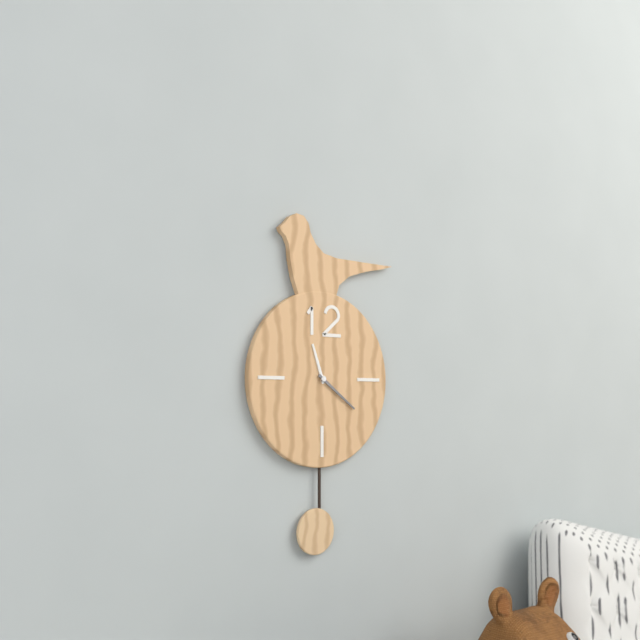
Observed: 11:21
